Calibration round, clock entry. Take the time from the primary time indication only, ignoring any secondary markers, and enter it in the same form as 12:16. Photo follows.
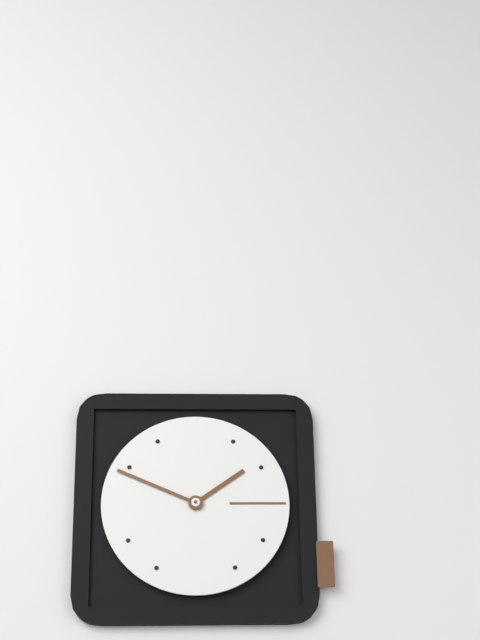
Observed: 1:49
